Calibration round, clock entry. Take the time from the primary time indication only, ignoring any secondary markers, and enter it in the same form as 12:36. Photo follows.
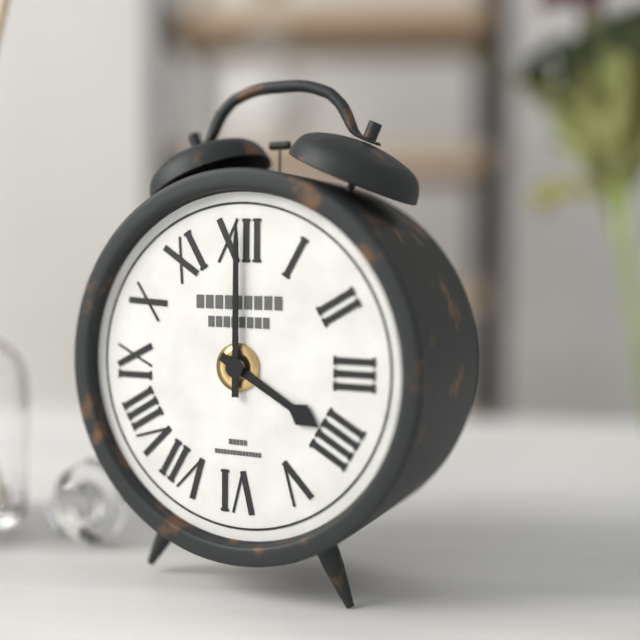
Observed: 4:00
